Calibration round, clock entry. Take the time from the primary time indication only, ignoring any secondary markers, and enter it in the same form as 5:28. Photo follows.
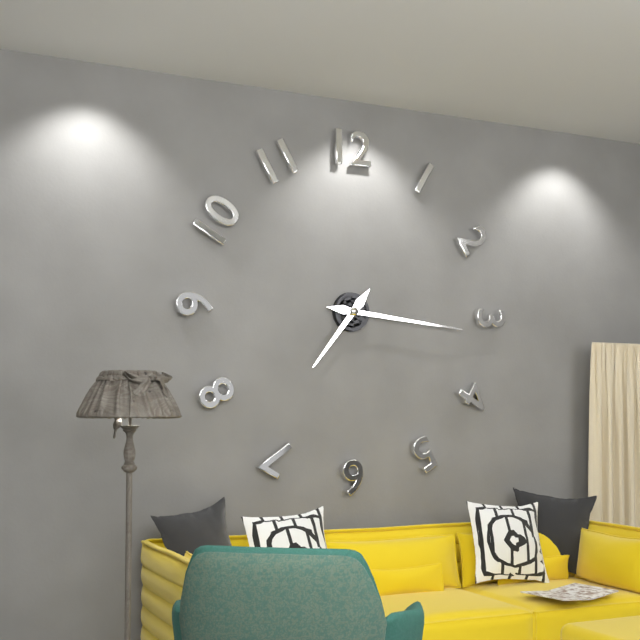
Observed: 7:16
